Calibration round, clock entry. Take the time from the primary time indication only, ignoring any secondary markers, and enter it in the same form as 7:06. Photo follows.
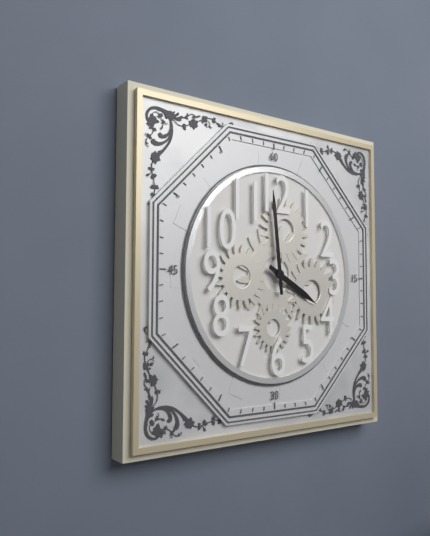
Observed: 3:59
